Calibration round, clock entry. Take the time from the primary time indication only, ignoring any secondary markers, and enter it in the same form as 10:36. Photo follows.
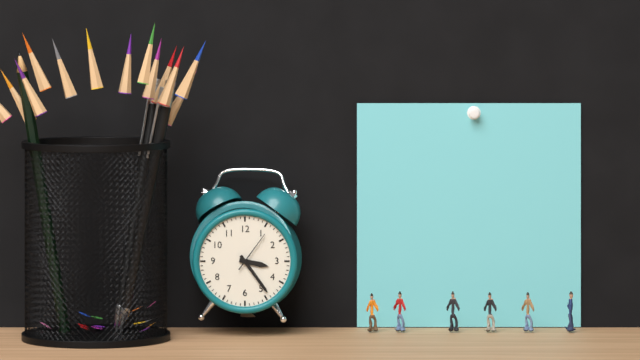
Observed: 3:24
